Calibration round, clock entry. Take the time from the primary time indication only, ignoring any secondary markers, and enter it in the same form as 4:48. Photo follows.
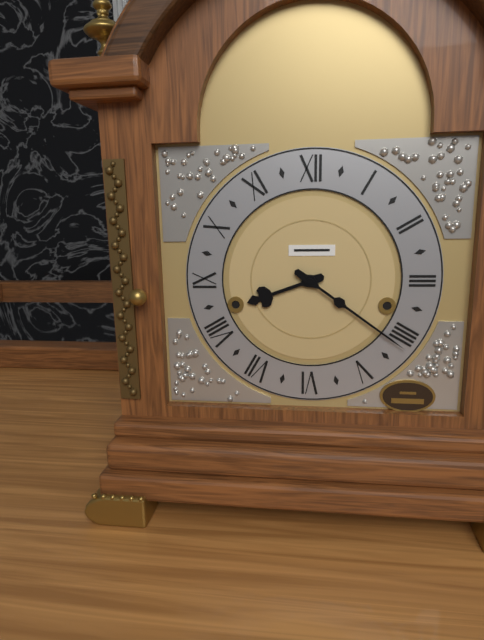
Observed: 8:21
